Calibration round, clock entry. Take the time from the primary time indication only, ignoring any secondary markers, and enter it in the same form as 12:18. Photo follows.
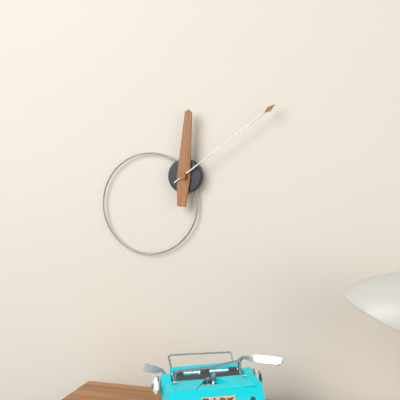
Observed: 12:09
